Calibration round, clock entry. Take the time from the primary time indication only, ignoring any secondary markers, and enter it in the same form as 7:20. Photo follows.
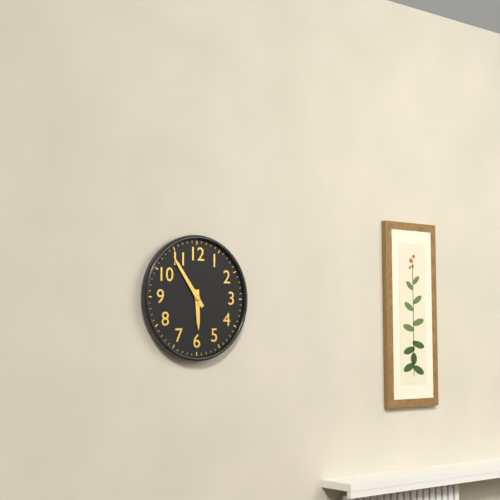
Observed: 5:54
